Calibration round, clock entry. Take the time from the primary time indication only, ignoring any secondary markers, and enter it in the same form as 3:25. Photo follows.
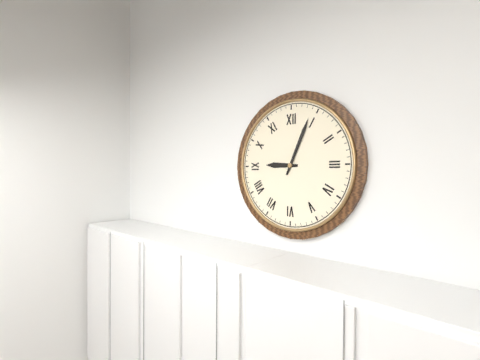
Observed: 9:04
